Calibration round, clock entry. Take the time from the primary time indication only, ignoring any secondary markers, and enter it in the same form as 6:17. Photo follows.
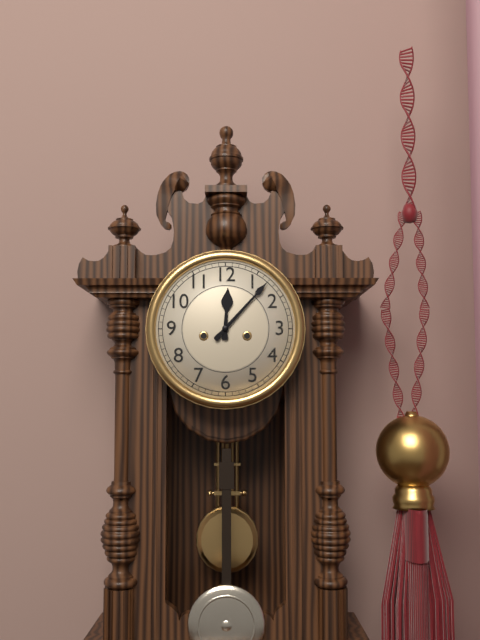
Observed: 12:07
